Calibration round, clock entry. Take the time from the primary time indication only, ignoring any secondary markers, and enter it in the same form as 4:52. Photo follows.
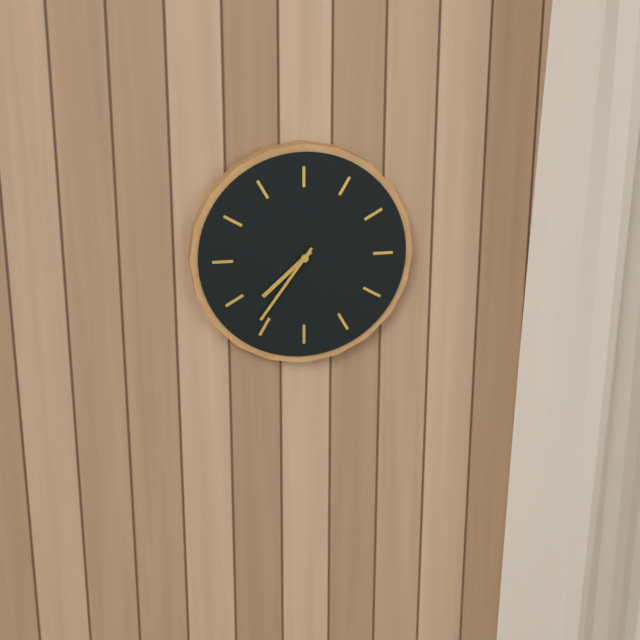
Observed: 7:36
